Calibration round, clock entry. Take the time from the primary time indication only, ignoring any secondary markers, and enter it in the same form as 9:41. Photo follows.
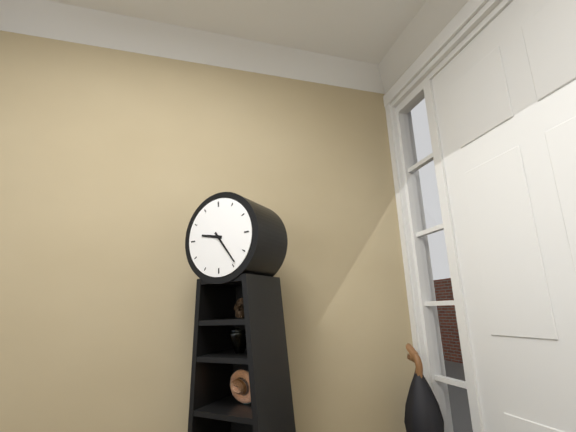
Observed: 9:24
